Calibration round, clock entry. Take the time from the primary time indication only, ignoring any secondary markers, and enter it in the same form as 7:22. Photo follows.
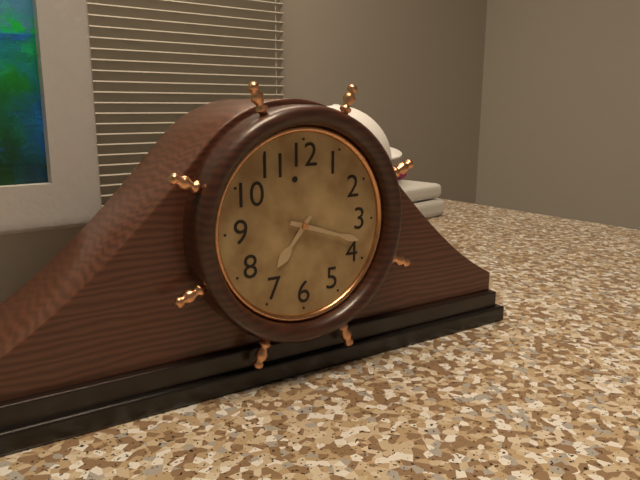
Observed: 7:18
